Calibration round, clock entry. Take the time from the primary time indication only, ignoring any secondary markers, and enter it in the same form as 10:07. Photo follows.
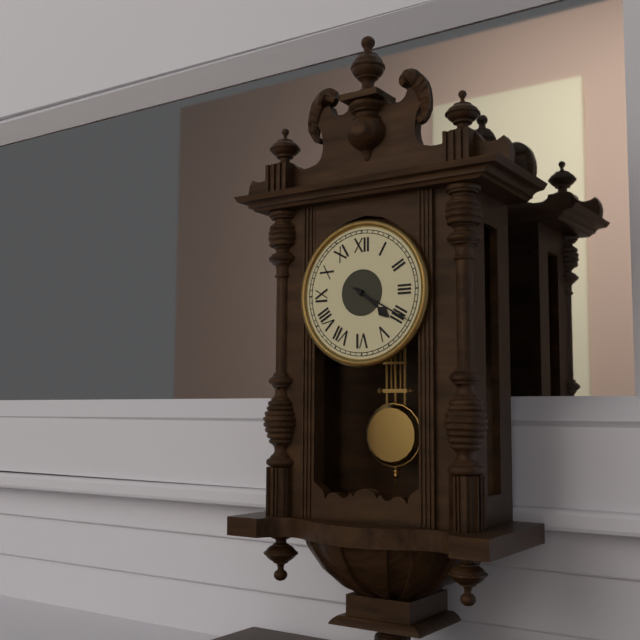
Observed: 4:20
